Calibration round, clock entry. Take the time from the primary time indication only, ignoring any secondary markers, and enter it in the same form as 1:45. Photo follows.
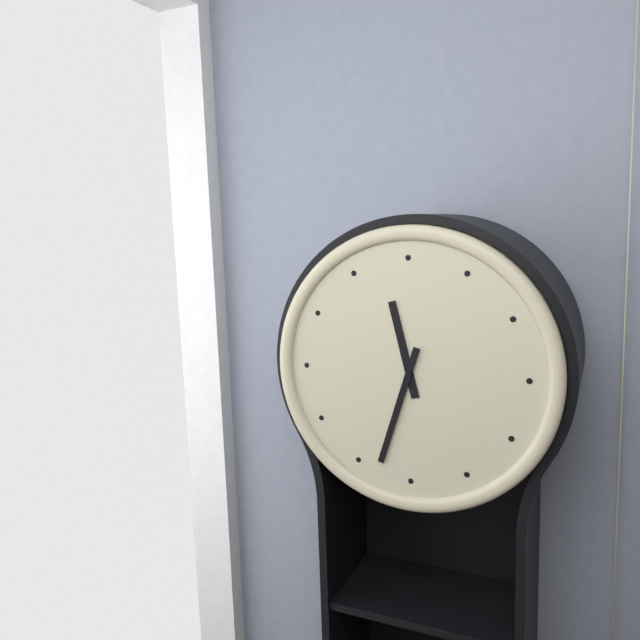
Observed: 11:33
